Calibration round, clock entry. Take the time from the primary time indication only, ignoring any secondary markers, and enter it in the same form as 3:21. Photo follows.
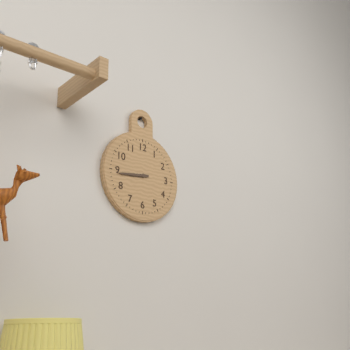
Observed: 8:44
